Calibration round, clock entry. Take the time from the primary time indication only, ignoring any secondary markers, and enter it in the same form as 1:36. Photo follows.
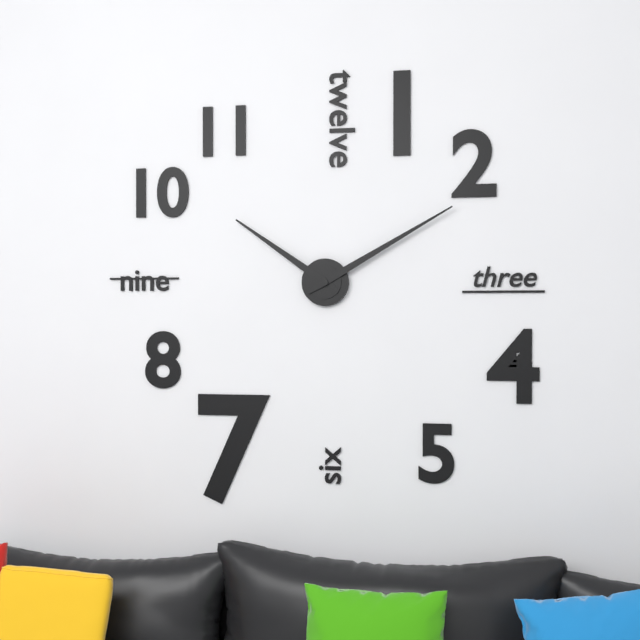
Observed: 10:10
